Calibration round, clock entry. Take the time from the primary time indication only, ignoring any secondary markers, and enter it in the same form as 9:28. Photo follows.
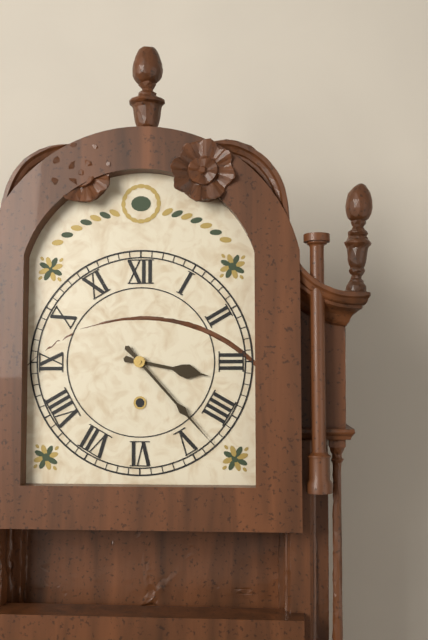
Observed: 3:23
